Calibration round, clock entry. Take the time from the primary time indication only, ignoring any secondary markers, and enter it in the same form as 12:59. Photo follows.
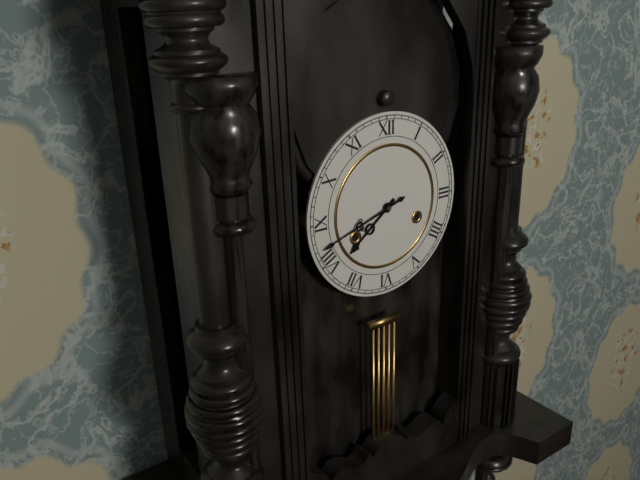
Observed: 7:42
